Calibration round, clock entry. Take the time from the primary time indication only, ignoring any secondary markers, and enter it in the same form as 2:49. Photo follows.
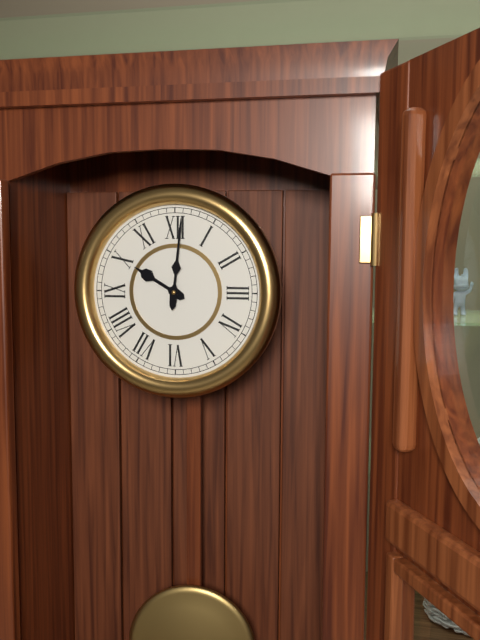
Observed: 10:01
